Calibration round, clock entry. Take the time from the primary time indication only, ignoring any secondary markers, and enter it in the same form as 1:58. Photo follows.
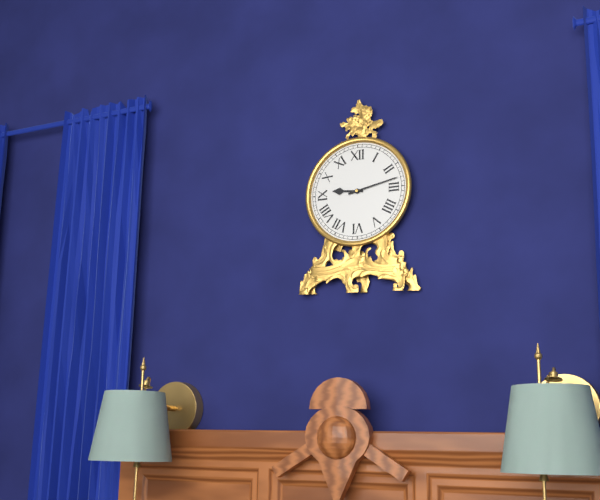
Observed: 9:13
